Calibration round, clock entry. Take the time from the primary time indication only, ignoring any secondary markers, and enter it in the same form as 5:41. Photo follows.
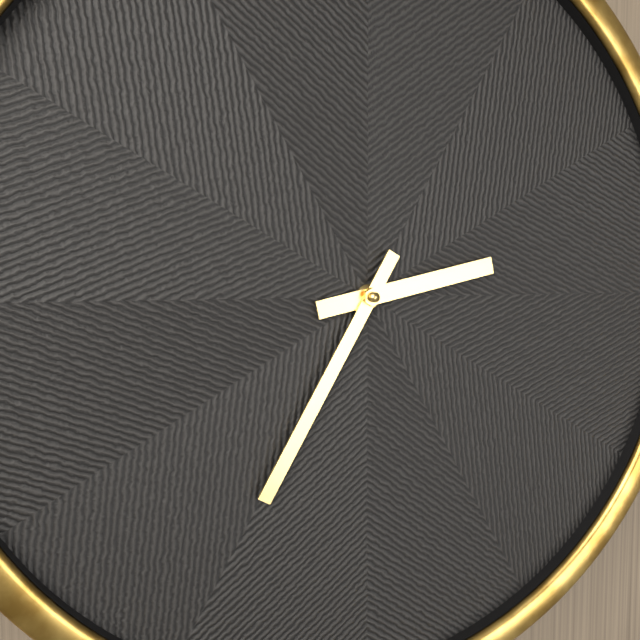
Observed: 2:35
